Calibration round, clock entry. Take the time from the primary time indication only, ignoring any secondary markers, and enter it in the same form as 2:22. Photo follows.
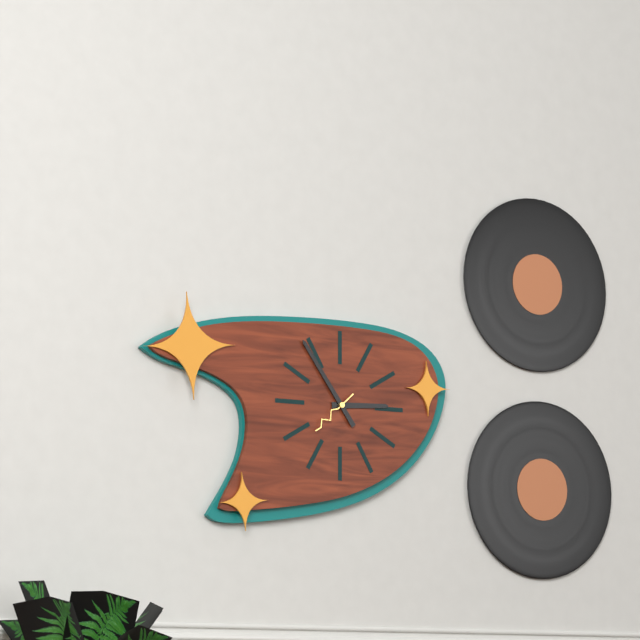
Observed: 2:54
